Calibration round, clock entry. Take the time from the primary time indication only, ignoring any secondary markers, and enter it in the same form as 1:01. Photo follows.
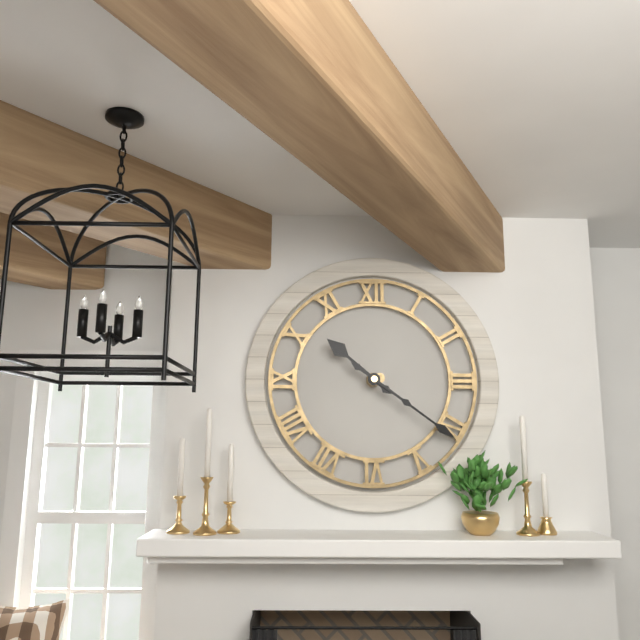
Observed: 10:21
